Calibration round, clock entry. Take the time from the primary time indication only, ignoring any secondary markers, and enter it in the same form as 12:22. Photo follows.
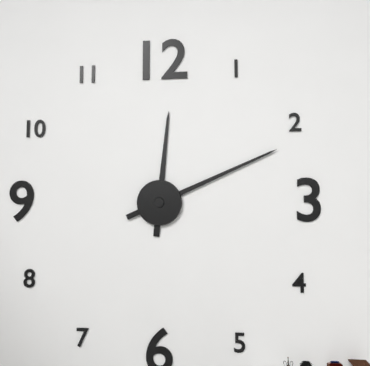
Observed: 12:11
